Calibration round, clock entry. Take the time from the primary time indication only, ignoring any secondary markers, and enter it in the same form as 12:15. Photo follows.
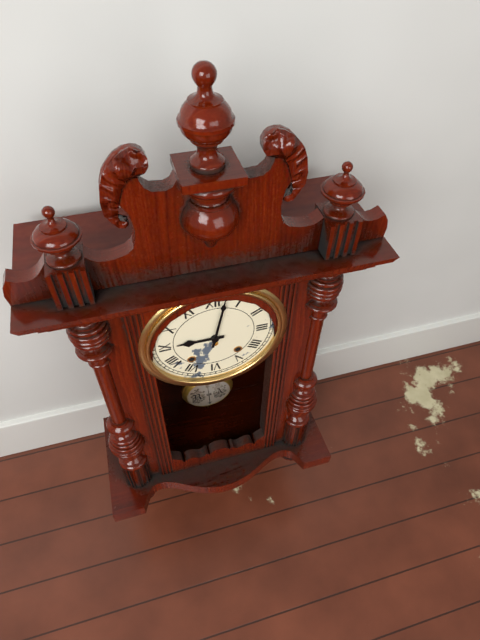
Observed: 9:02
